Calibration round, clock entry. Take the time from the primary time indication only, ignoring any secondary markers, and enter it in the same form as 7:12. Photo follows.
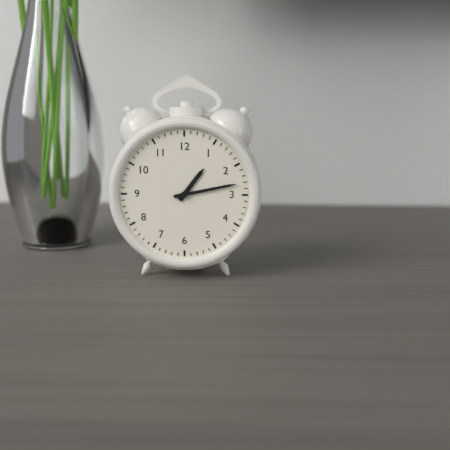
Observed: 1:13
